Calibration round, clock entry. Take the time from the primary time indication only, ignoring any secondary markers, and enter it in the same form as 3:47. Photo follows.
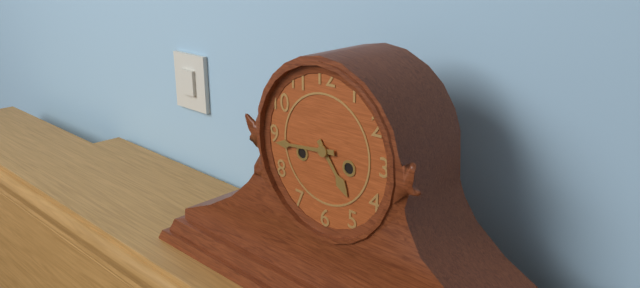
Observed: 4:44
